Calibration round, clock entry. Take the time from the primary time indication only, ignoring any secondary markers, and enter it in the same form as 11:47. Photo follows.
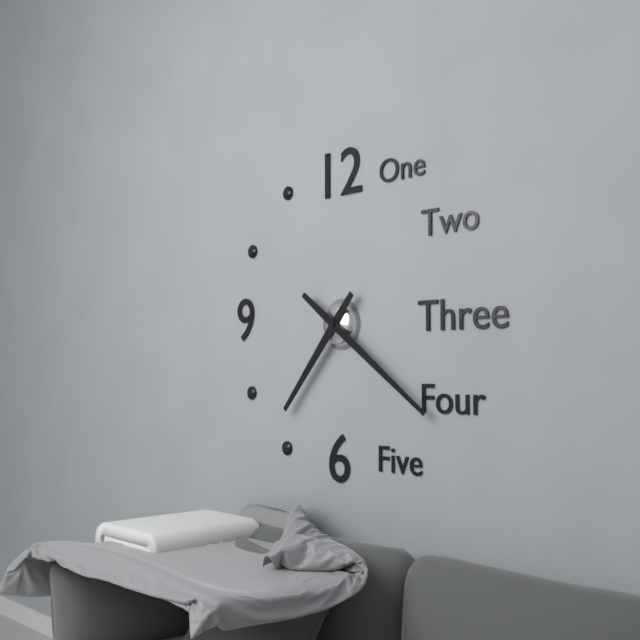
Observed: 7:21
